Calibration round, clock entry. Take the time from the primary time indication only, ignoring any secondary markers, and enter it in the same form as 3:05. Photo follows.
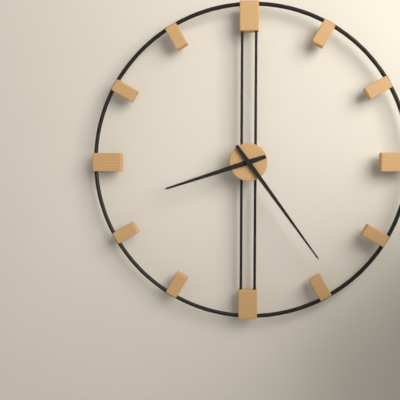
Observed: 8:24
